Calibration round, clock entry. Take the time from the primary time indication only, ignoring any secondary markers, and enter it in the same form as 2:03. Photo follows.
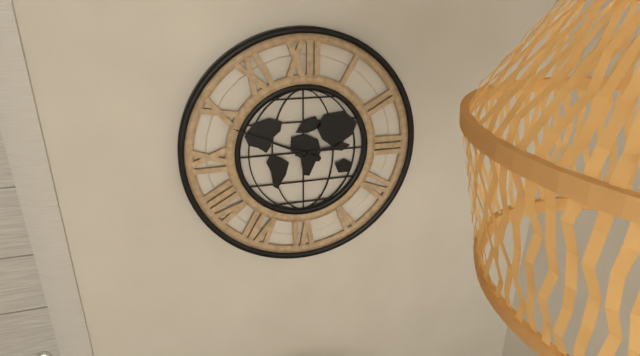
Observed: 2:49
